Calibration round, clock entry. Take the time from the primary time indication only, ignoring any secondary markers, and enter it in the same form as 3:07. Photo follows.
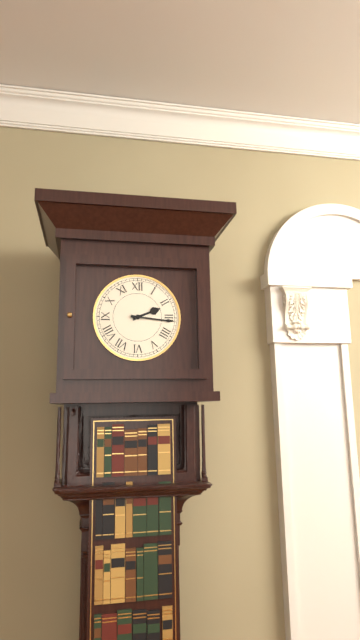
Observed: 2:16
